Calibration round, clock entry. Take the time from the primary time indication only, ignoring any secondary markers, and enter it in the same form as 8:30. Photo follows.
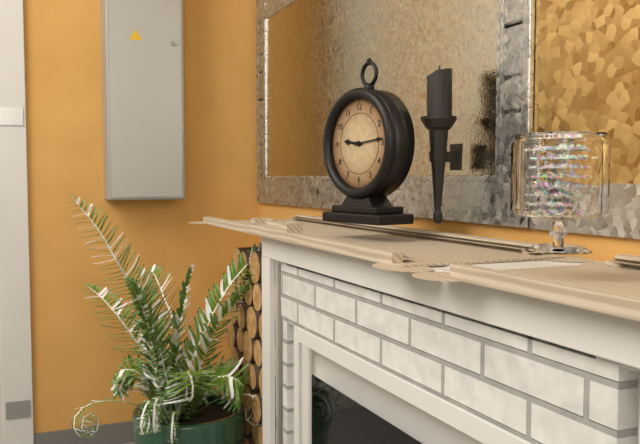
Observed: 9:14
